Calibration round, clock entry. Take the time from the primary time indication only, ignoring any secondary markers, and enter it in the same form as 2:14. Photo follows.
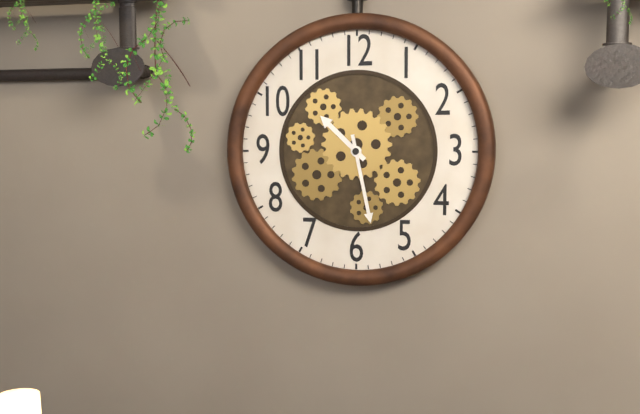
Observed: 10:28
